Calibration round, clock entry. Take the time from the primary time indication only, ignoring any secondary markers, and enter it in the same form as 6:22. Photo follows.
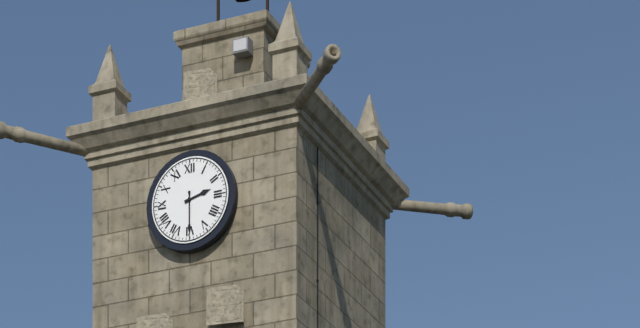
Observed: 2:30
